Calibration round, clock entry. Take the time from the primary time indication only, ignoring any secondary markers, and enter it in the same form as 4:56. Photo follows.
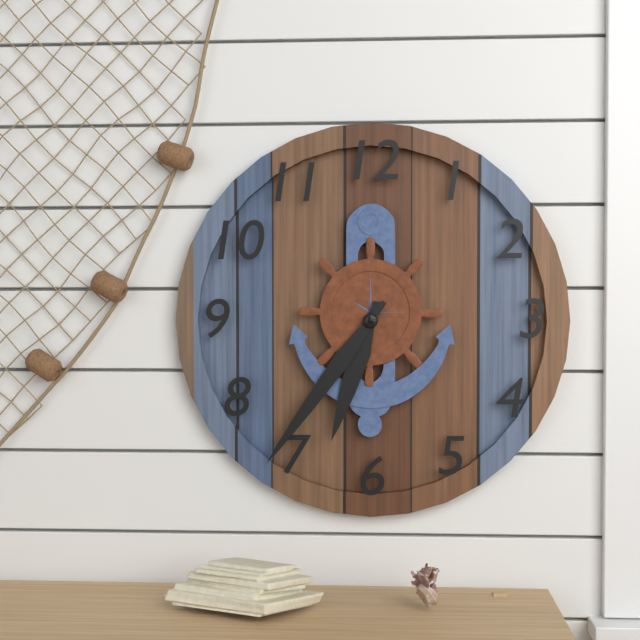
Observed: 6:36
